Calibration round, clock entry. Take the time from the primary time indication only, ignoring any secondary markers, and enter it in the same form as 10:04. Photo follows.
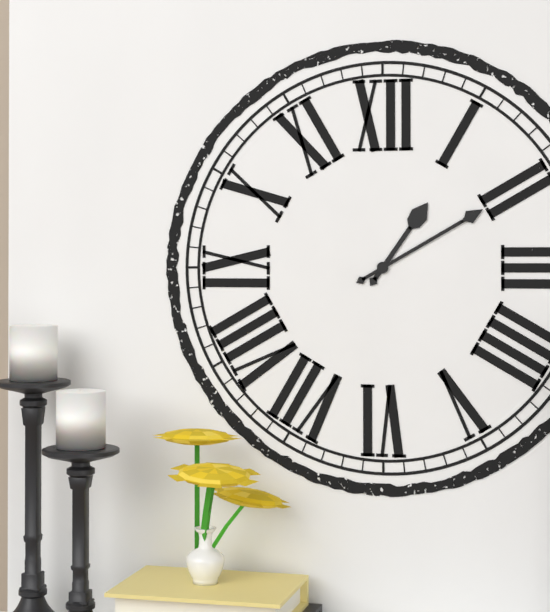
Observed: 1:10
